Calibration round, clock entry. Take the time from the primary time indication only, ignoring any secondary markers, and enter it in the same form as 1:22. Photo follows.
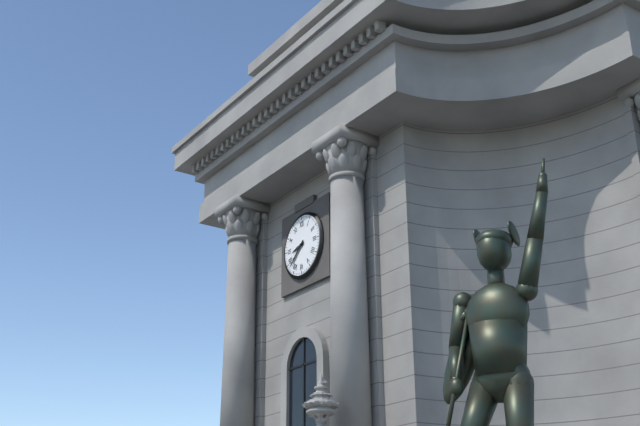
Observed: 8:38
